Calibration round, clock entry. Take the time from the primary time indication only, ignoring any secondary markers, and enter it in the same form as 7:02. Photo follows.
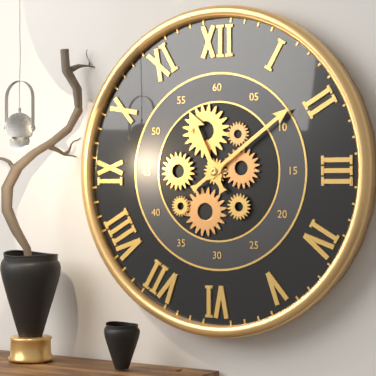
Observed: 11:09
